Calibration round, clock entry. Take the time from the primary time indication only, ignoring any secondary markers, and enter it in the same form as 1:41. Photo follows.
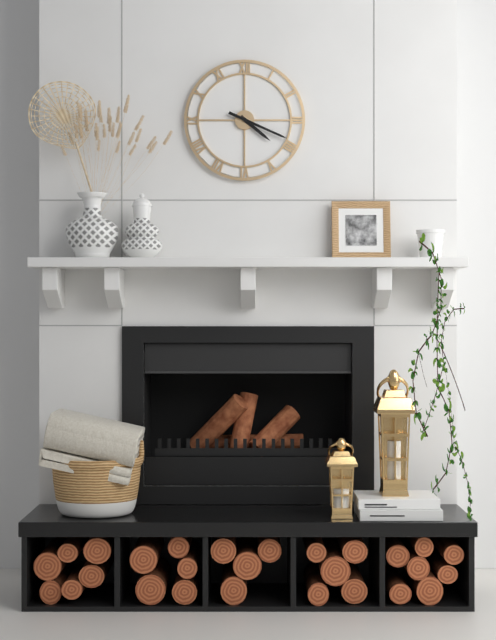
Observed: 4:19
